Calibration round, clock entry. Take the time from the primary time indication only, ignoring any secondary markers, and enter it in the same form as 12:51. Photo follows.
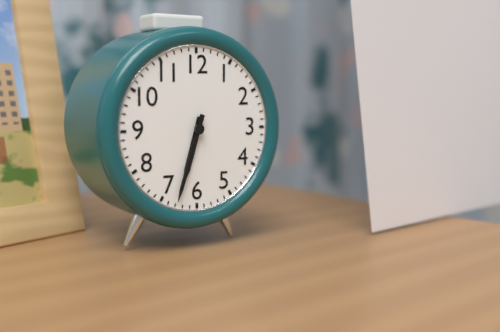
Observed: 6:33
